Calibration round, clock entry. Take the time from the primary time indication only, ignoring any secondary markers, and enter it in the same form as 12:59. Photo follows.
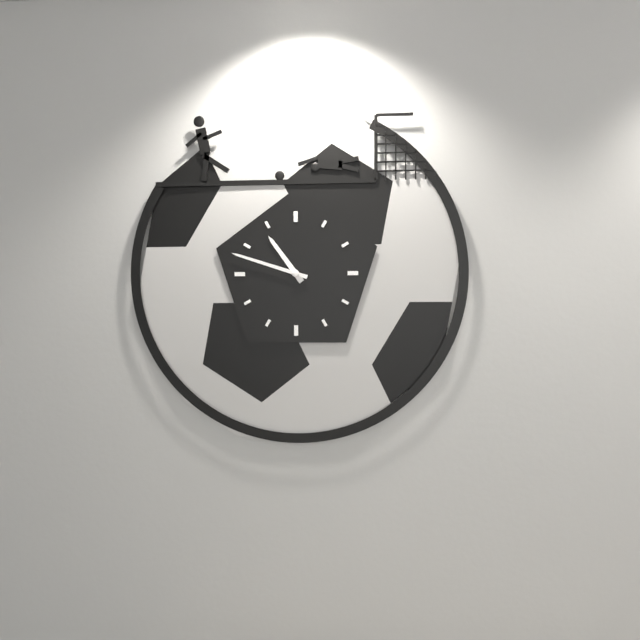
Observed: 10:48
